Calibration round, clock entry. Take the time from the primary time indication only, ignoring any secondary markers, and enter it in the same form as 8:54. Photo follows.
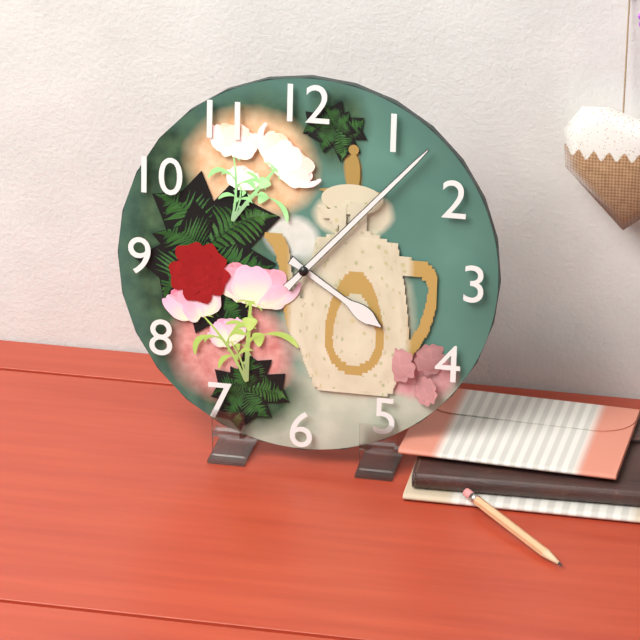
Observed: 4:07
